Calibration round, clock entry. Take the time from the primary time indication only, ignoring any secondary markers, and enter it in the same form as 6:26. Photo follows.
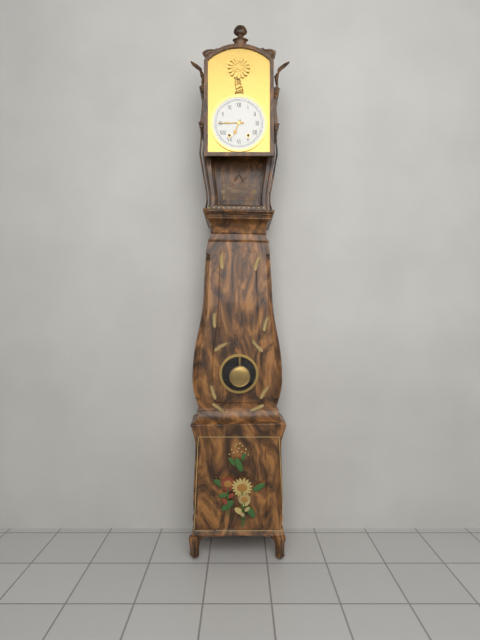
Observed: 6:45
